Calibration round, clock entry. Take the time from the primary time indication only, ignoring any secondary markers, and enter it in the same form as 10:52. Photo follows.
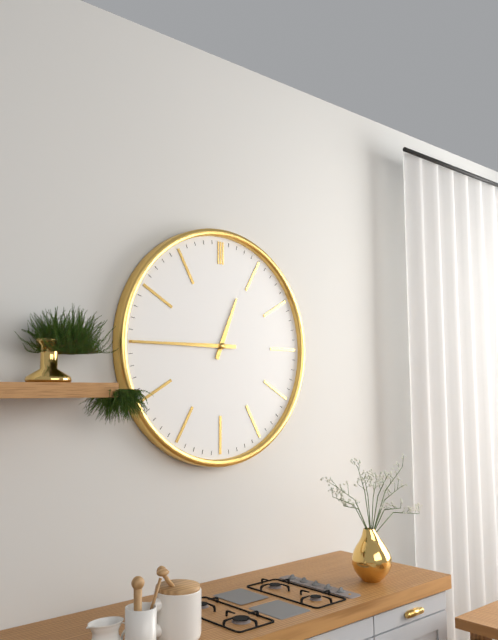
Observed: 12:45
